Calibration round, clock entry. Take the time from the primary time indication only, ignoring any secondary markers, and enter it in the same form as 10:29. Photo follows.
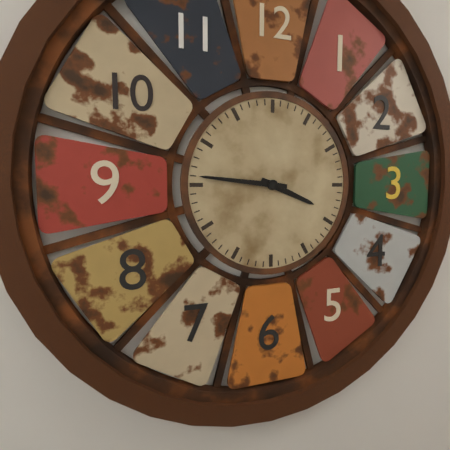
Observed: 3:46
